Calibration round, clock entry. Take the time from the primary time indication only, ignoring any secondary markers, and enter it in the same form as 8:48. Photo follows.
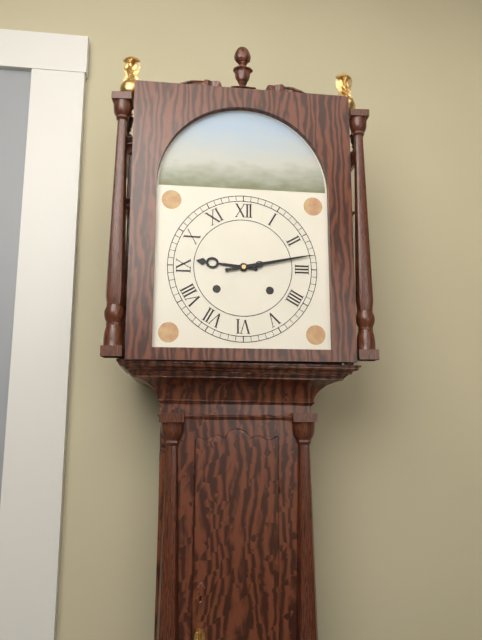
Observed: 9:13
